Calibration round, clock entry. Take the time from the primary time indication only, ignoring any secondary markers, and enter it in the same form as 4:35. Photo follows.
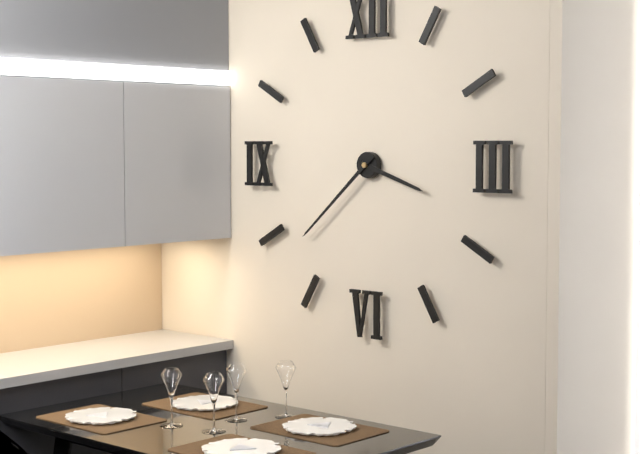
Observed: 3:38
